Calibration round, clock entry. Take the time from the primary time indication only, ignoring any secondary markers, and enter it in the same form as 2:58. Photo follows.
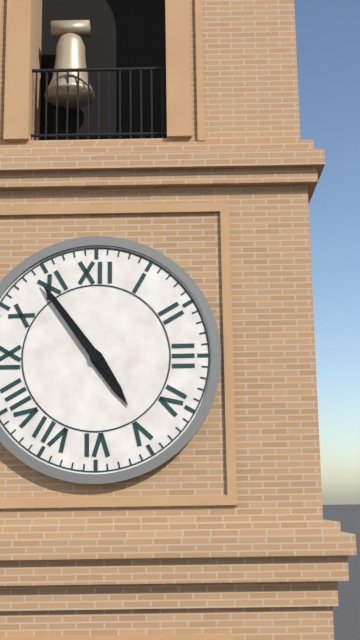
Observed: 4:54
